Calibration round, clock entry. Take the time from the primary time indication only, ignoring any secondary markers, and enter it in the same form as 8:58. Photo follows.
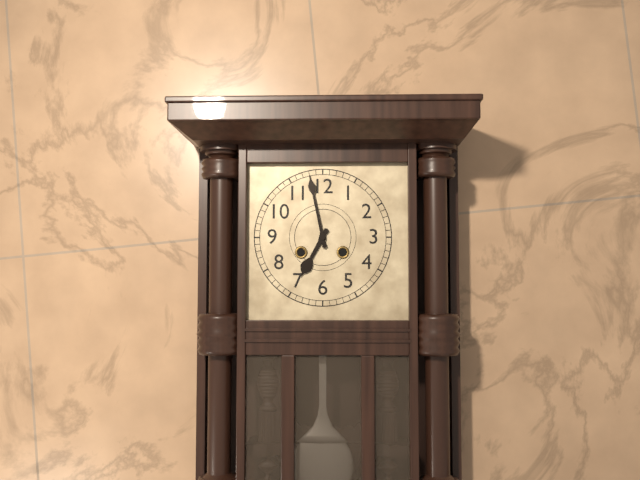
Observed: 6:58
